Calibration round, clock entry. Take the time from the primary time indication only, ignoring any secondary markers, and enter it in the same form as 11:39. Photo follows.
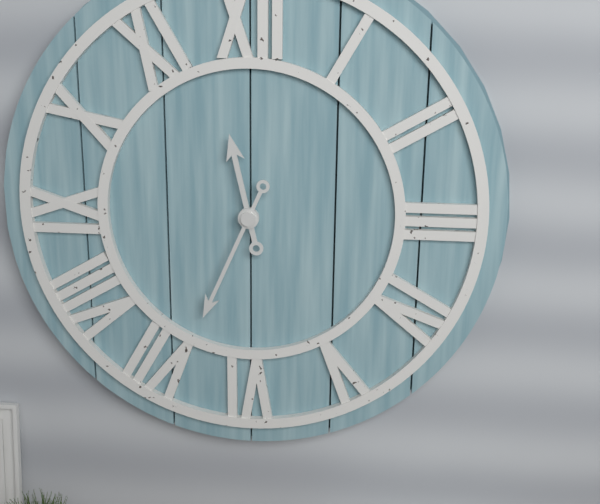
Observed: 11:34
